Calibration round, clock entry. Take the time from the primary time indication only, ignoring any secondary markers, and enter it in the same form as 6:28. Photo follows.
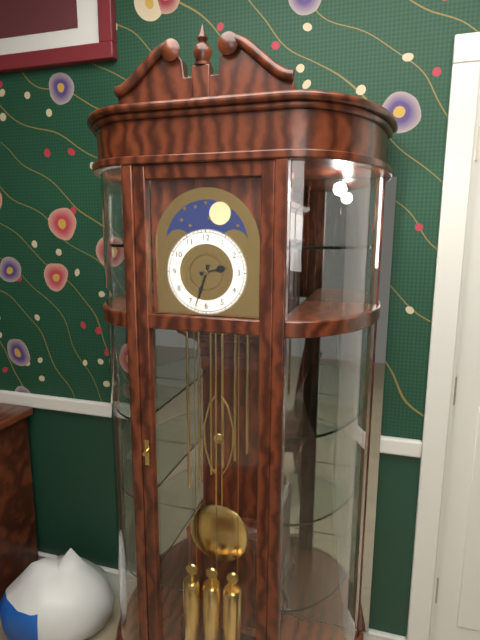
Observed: 2:33
